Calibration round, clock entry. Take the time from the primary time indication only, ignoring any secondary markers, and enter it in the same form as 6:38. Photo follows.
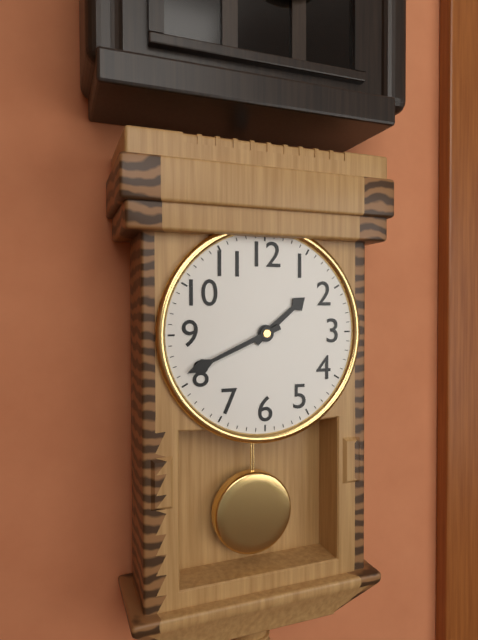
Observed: 1:41
